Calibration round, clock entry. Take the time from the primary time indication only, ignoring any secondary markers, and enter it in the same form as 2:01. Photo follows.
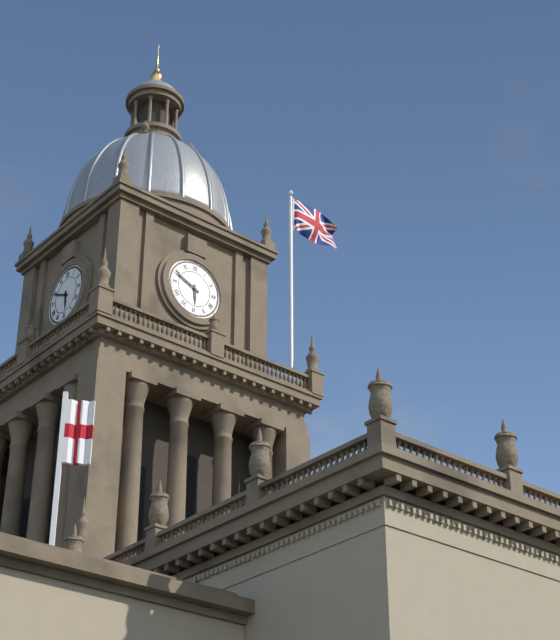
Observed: 5:49
